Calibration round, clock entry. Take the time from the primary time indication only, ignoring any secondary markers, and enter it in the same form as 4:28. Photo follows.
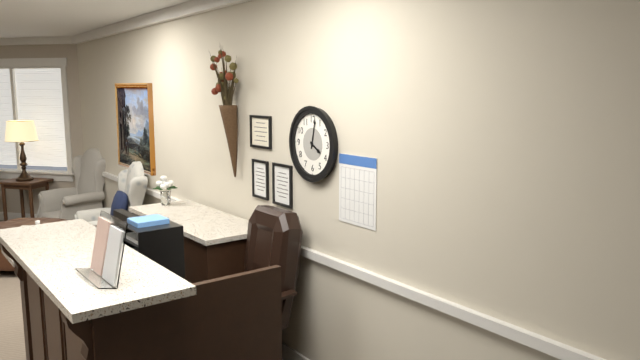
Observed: 4:02
